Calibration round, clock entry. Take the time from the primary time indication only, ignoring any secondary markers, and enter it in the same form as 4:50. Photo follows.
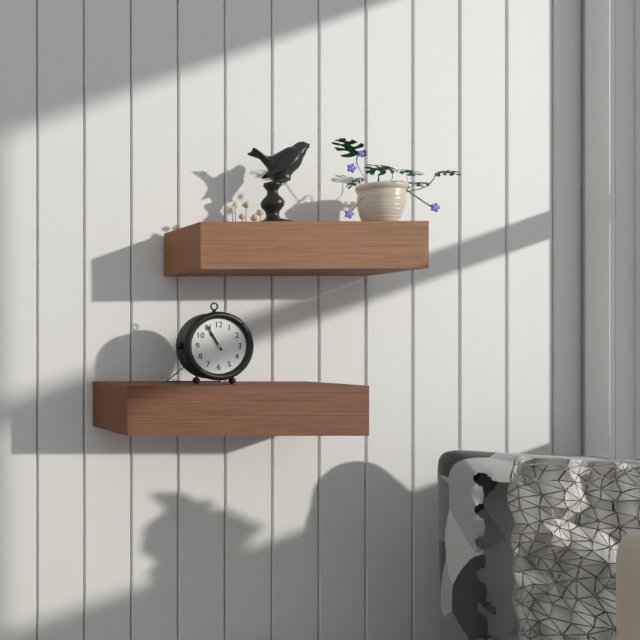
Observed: 10:55
